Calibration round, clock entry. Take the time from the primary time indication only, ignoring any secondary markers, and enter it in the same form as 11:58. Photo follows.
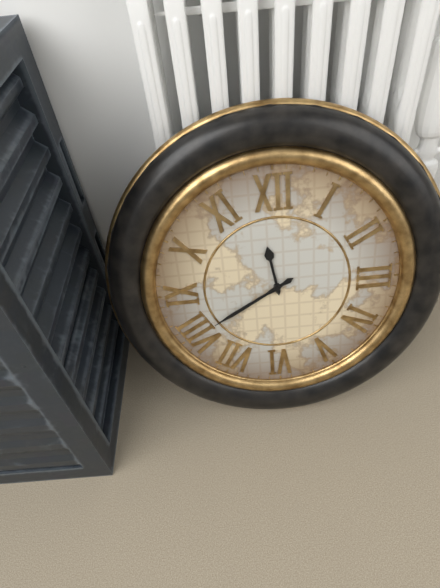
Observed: 11:40
